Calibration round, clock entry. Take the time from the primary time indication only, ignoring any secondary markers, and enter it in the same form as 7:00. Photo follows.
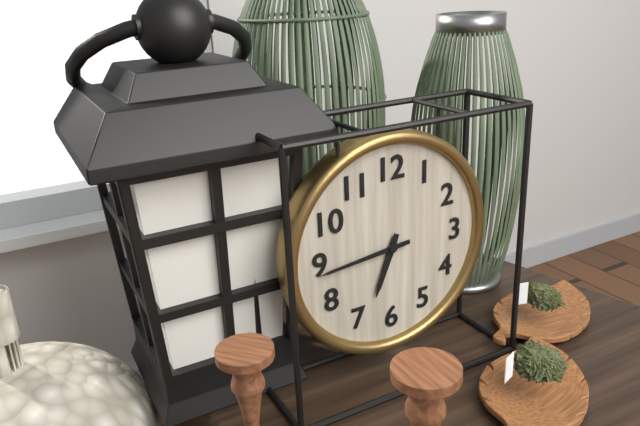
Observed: 6:44
